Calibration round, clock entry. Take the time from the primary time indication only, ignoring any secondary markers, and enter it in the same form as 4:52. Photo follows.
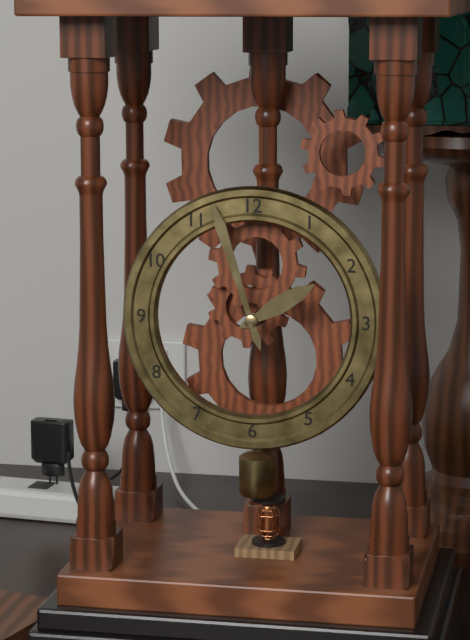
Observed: 1:57
